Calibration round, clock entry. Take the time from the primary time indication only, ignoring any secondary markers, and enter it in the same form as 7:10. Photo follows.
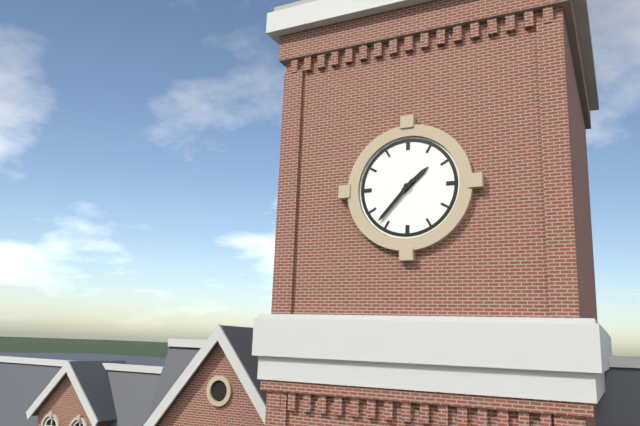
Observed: 1:37
